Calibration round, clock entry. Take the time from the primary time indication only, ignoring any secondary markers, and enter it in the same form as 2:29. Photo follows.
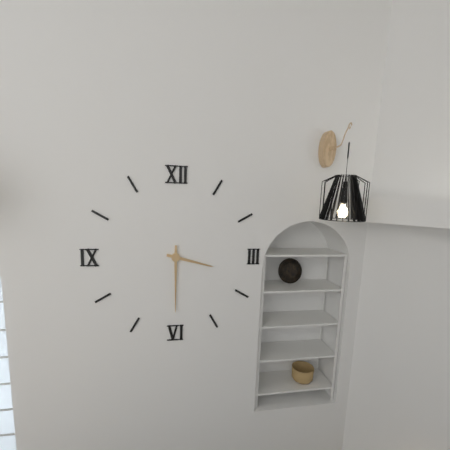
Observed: 3:30
